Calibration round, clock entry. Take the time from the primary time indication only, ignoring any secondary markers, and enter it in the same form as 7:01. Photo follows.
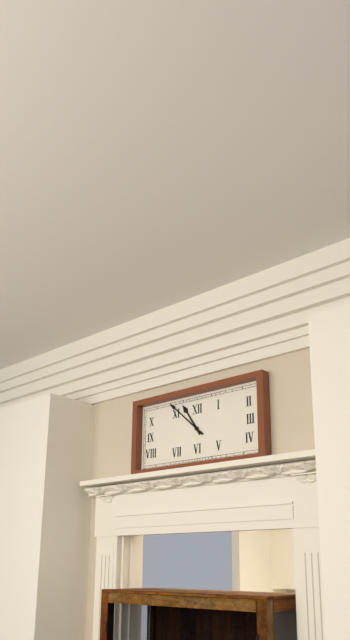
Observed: 10:52
